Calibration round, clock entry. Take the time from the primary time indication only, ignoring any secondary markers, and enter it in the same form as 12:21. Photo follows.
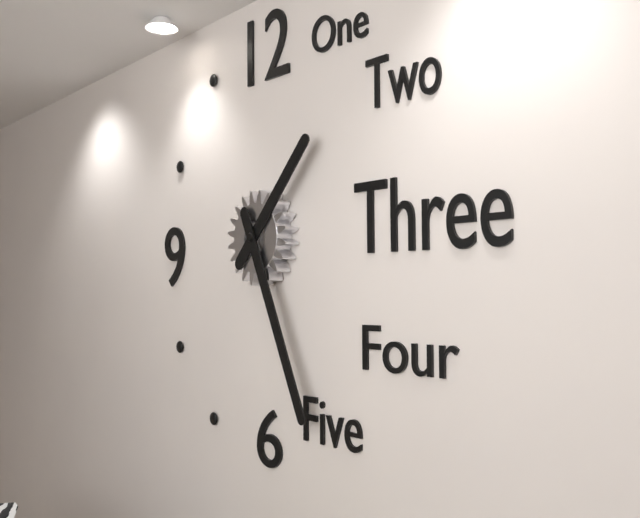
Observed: 1:26
